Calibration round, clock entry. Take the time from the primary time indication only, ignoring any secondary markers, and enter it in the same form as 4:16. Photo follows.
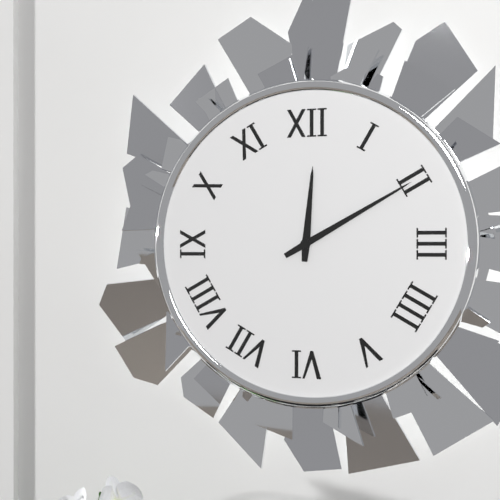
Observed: 12:10
